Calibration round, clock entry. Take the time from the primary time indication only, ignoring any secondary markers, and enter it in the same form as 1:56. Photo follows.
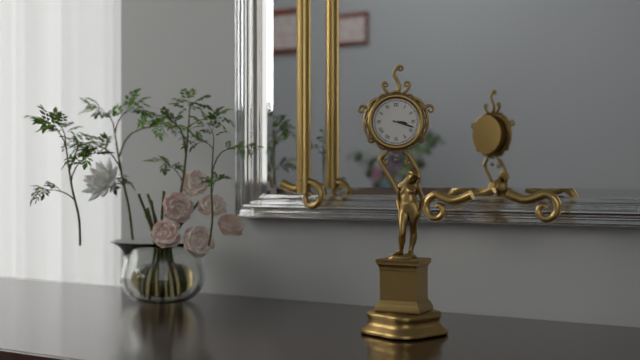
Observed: 3:18
